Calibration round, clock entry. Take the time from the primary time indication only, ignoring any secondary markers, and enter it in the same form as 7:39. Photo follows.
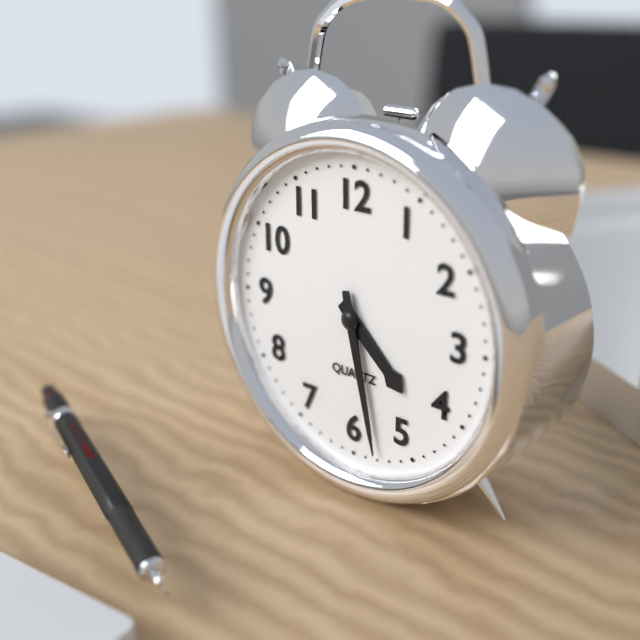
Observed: 4:28
